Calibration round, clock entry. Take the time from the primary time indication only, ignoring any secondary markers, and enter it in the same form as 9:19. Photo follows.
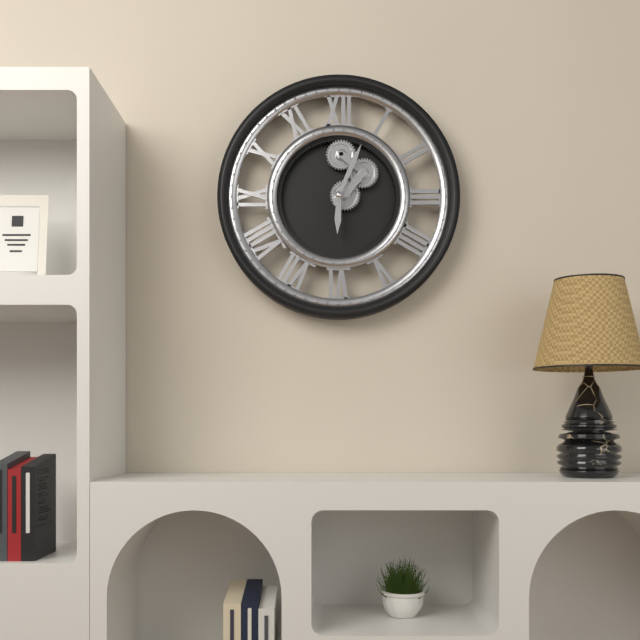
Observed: 6:04
